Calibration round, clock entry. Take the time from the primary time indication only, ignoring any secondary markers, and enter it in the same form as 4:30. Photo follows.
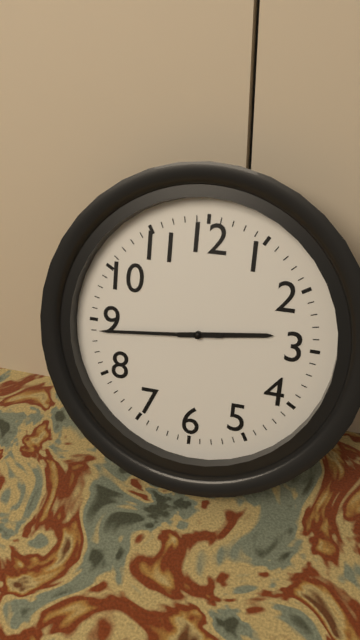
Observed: 2:44
